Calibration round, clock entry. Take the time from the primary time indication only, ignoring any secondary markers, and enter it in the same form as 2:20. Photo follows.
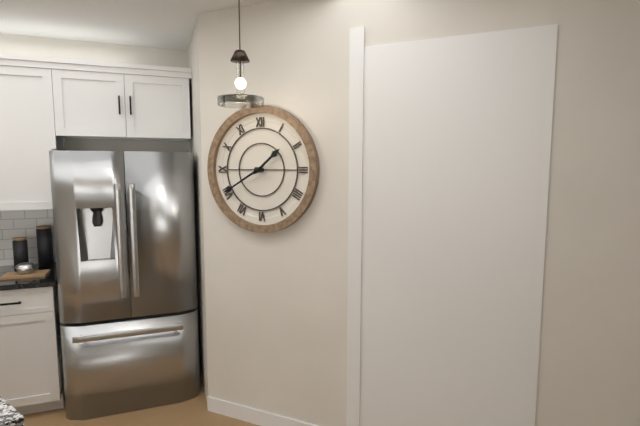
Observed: 1:40
